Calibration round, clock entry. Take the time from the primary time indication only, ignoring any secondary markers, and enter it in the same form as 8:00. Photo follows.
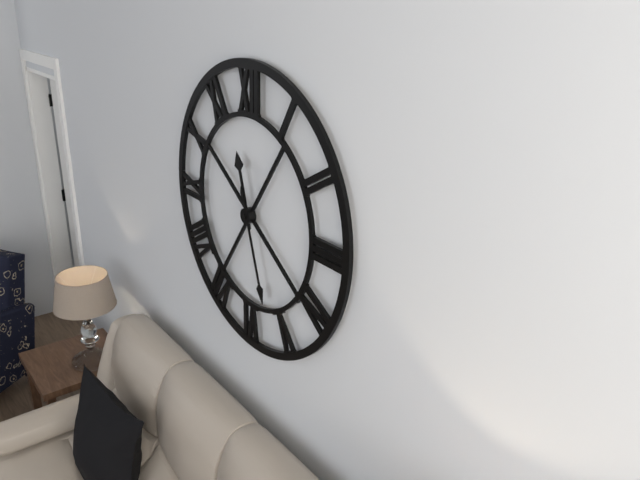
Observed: 11:27
